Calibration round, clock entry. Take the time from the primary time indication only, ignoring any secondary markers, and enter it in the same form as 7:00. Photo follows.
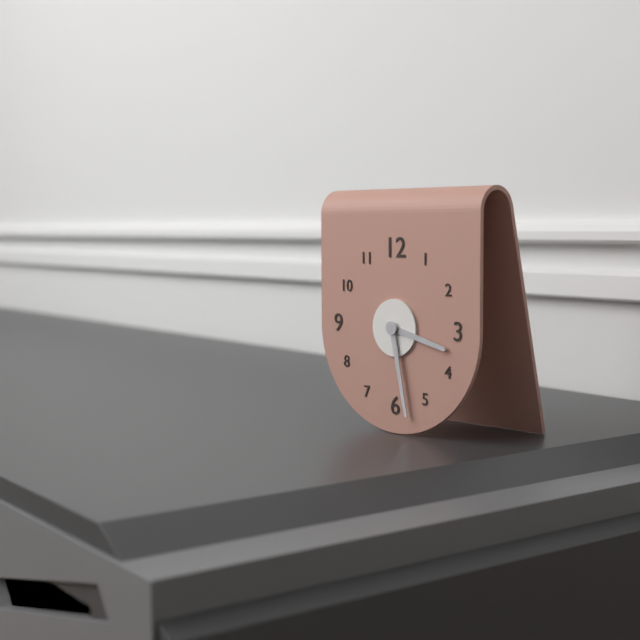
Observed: 3:28
